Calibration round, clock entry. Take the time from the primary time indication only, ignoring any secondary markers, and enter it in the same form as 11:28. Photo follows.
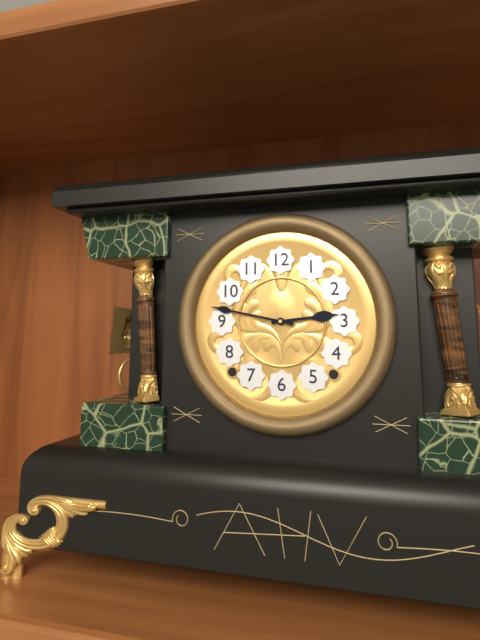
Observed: 2:47
